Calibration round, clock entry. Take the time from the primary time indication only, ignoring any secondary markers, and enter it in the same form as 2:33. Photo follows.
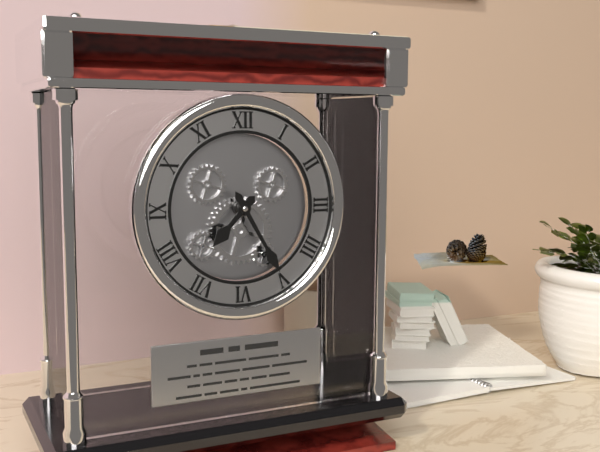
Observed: 7:25
